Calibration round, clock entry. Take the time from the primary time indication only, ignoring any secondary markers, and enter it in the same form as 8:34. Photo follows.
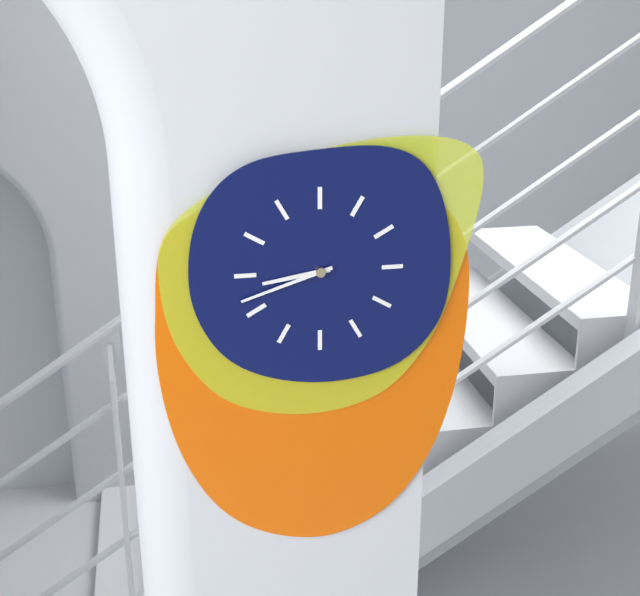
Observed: 8:42
